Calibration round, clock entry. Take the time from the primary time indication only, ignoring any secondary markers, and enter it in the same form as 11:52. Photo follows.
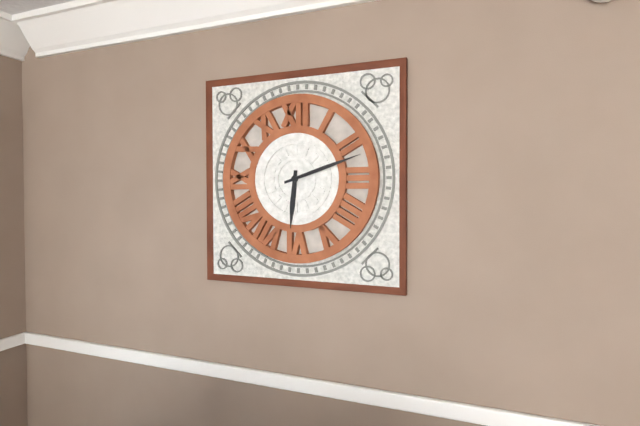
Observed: 6:12
